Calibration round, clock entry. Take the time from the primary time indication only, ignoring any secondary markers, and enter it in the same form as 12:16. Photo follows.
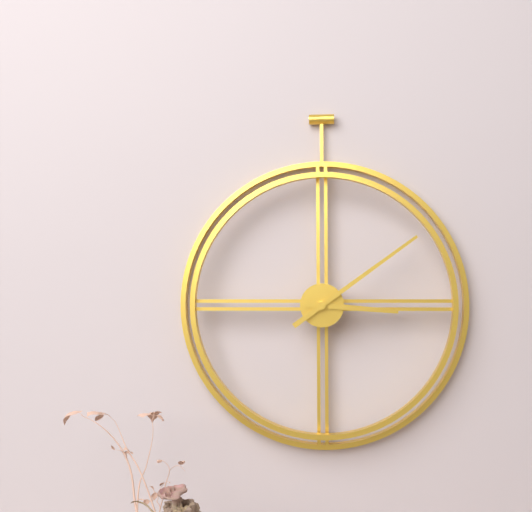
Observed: 3:09
